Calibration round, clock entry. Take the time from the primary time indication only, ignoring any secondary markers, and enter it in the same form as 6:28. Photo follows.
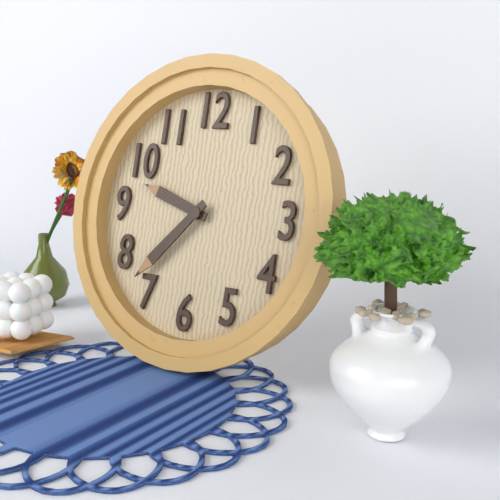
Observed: 9:37
